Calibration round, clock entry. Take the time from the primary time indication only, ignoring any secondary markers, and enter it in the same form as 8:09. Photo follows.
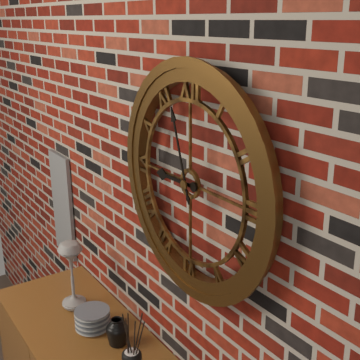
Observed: 8:57
